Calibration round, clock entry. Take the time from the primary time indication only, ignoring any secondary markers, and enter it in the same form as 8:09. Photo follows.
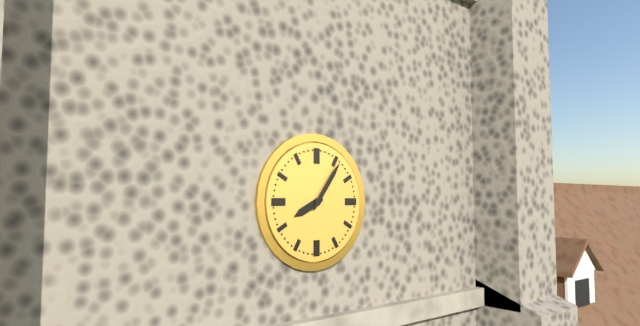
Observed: 8:06
